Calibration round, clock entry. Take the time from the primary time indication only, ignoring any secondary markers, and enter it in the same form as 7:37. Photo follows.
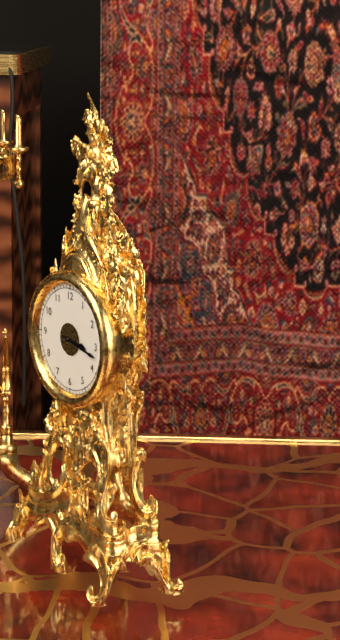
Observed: 3:17
